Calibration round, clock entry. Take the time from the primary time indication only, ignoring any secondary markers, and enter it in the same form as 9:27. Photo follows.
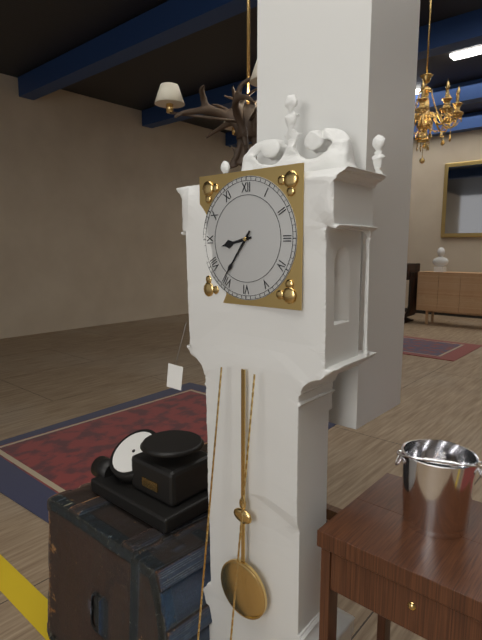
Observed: 8:36
